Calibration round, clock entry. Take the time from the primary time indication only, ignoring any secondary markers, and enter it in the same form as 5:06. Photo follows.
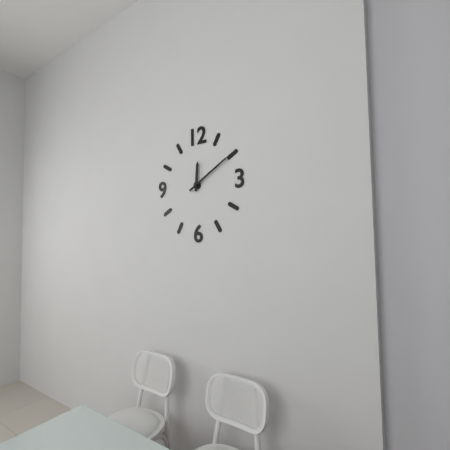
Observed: 12:10
